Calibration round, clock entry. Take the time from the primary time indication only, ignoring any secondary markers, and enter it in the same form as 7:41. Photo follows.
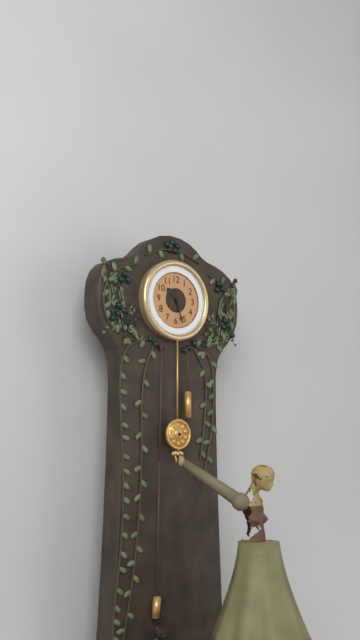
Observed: 10:27
